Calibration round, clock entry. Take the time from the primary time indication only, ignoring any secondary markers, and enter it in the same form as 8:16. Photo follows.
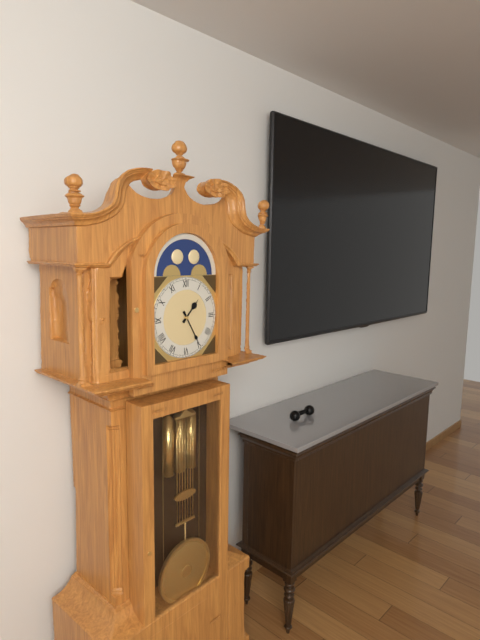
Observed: 1:25
